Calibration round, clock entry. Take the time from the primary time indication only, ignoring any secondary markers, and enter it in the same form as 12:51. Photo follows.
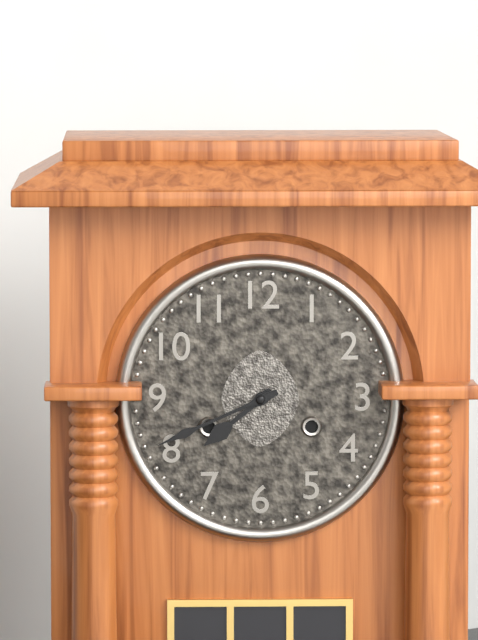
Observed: 7:41
